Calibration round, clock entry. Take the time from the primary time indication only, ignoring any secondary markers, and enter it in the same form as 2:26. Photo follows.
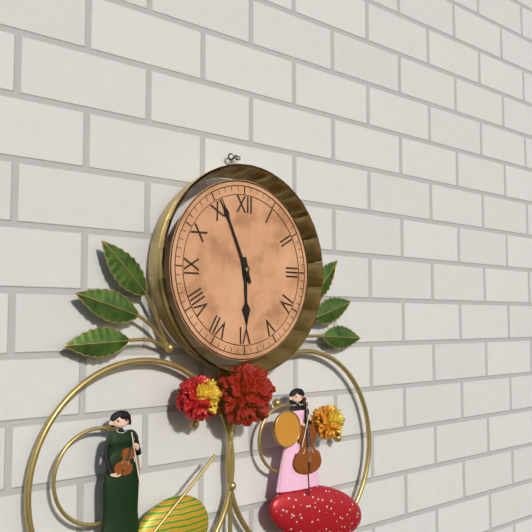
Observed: 5:56
